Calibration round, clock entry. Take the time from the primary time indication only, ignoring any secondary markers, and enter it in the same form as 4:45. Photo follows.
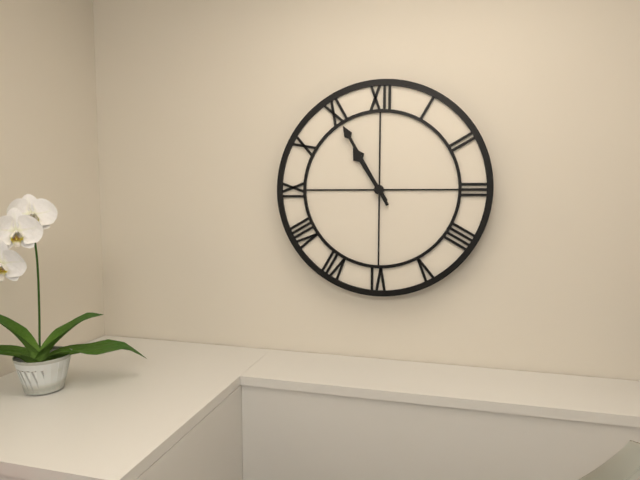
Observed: 10:55
